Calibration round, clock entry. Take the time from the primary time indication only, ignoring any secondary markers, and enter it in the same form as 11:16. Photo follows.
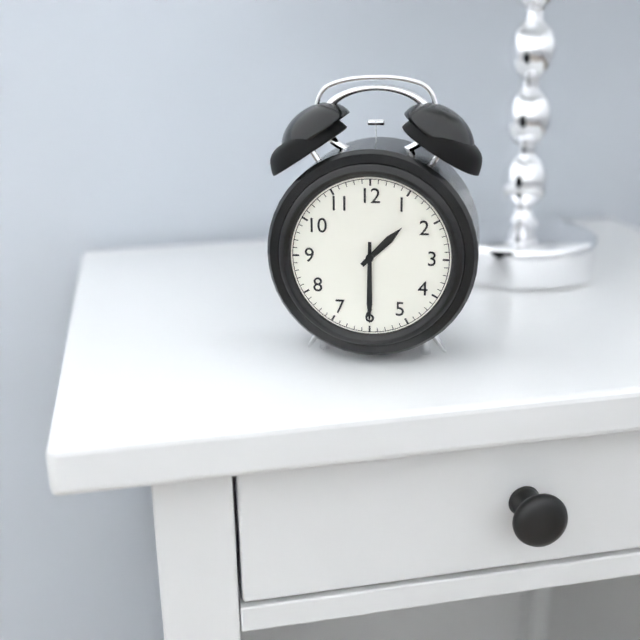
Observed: 1:30
